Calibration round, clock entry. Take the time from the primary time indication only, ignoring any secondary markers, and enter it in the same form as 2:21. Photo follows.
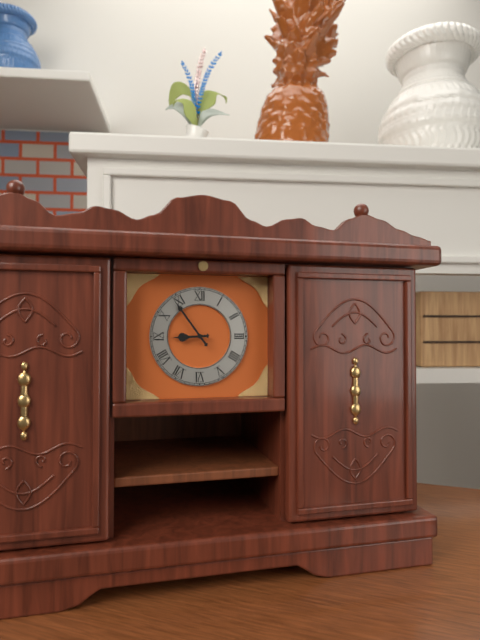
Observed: 8:54
